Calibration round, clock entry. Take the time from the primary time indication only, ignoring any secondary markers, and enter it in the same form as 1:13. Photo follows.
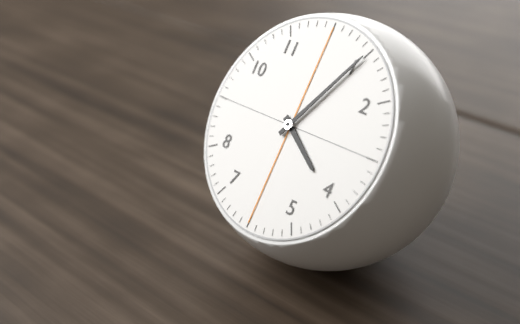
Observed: 4:05
